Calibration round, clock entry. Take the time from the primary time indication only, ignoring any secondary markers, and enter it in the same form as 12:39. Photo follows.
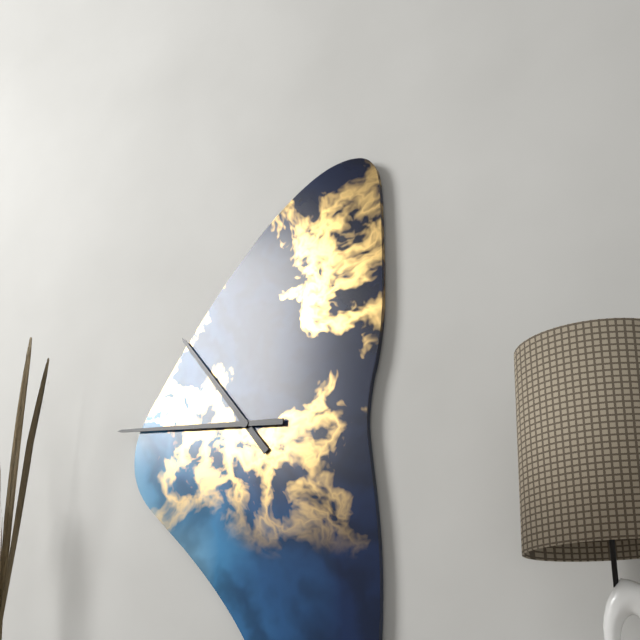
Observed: 10:46
